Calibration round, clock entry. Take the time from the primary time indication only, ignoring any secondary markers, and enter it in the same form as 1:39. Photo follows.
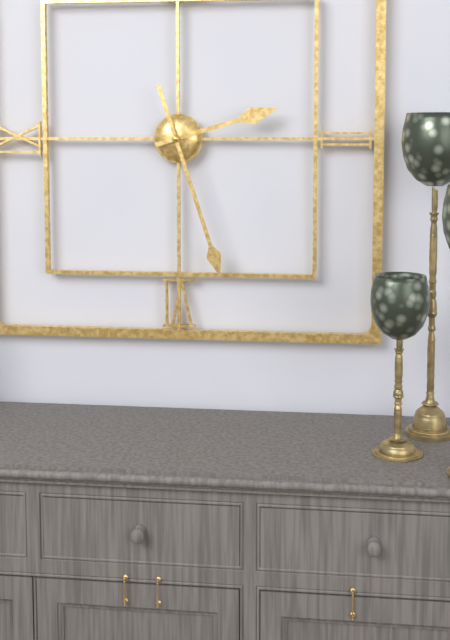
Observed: 2:27
